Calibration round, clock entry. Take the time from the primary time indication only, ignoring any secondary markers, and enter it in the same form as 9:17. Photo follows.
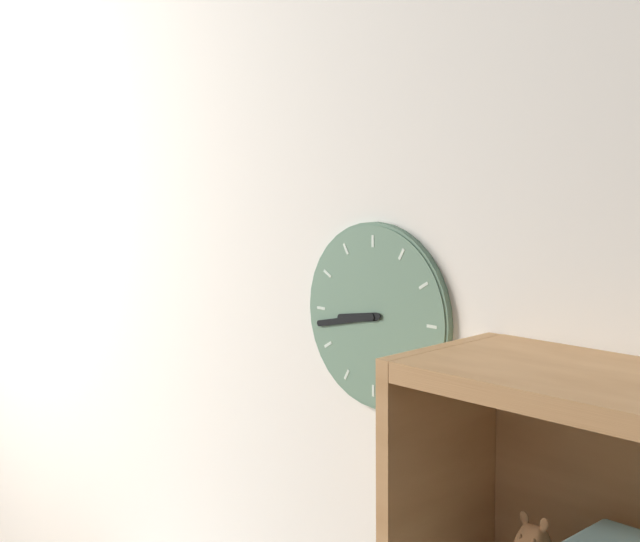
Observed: 8:43
